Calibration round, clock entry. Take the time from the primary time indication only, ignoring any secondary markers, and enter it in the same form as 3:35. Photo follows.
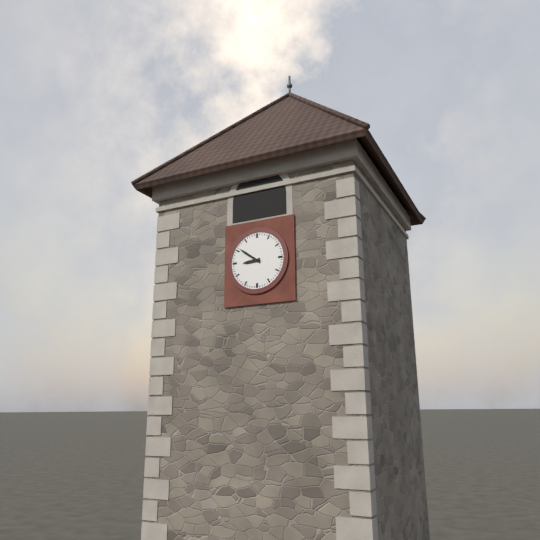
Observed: 8:51
